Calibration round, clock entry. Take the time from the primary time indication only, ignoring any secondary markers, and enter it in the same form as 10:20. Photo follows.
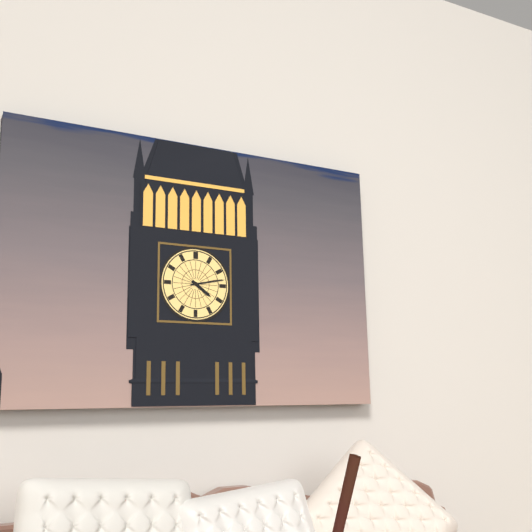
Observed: 4:13
